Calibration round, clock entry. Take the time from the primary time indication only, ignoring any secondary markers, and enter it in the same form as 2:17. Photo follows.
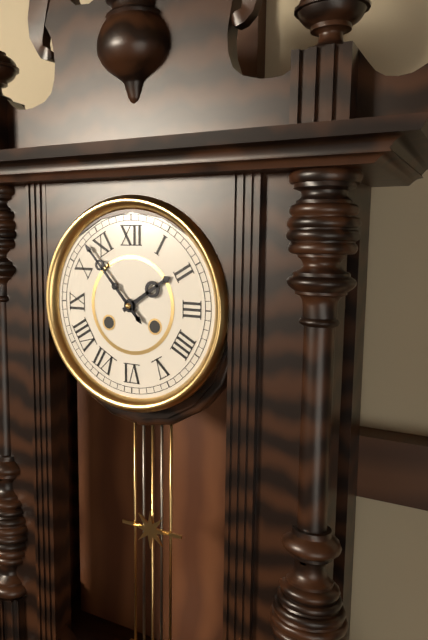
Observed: 1:53
